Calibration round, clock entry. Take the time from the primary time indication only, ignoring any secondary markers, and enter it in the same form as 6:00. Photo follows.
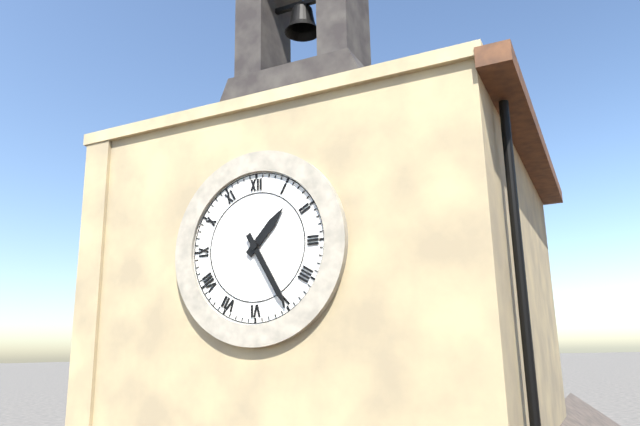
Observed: 1:25
